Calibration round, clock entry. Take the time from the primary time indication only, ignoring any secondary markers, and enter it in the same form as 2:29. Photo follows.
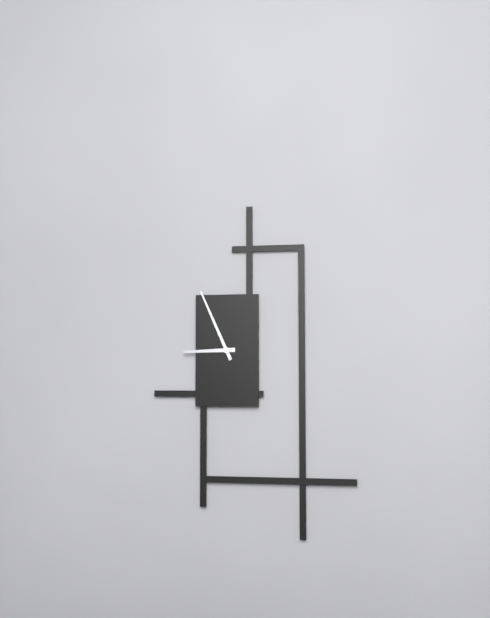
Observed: 8:56
